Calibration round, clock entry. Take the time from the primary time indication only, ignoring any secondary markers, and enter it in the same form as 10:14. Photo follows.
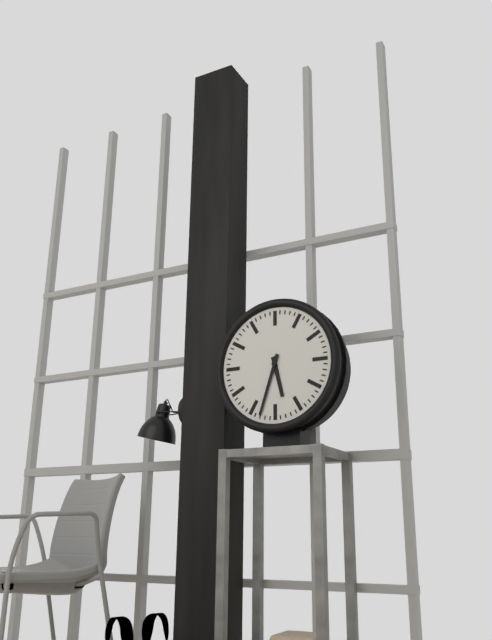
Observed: 5:33
